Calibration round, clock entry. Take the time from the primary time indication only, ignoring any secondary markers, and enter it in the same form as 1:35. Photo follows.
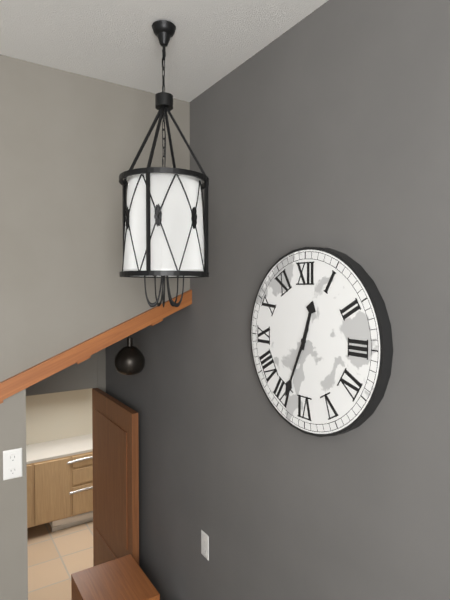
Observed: 12:34
